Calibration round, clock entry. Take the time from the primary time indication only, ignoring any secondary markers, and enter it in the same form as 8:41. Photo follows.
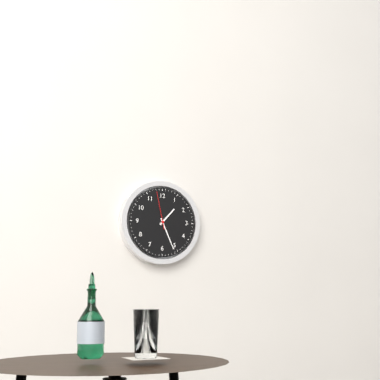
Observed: 1:26
